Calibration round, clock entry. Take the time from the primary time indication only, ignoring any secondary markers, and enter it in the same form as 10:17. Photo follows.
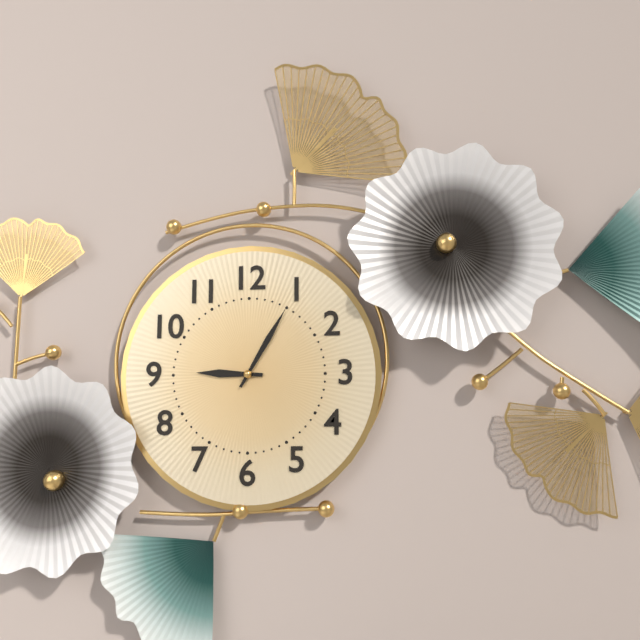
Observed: 9:05
